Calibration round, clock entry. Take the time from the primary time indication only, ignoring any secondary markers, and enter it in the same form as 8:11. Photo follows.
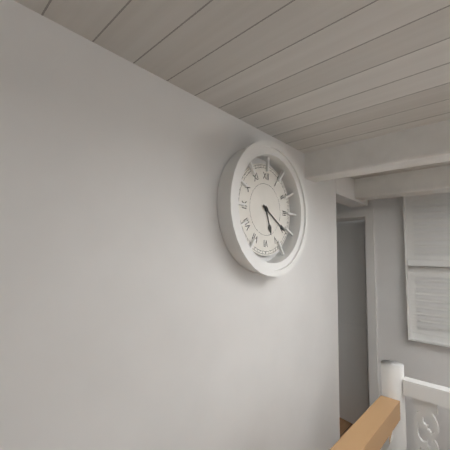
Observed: 5:20
